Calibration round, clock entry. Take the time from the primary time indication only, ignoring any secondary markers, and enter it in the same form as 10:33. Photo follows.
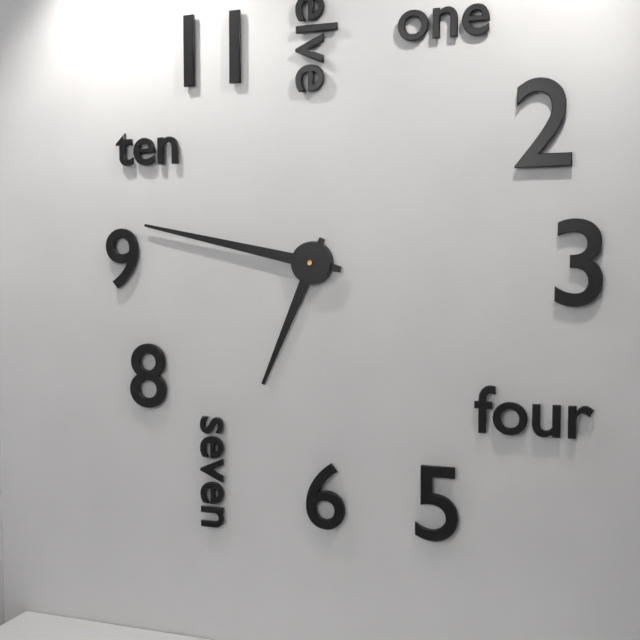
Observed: 6:47
